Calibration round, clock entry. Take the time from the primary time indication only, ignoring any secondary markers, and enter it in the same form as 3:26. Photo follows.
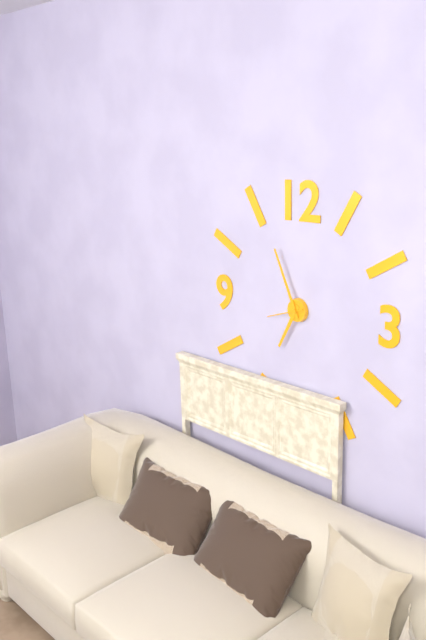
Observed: 6:56
